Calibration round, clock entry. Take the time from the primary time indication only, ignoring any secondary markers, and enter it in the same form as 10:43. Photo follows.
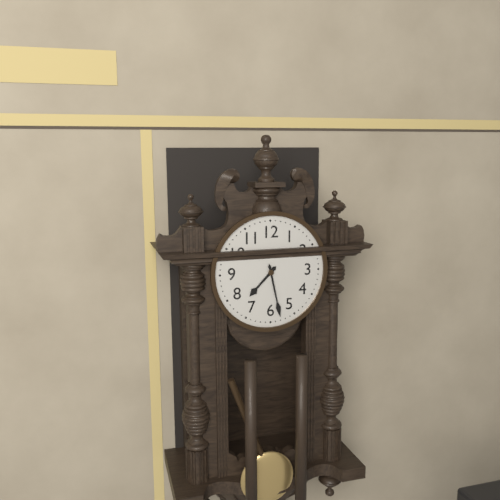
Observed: 7:28
